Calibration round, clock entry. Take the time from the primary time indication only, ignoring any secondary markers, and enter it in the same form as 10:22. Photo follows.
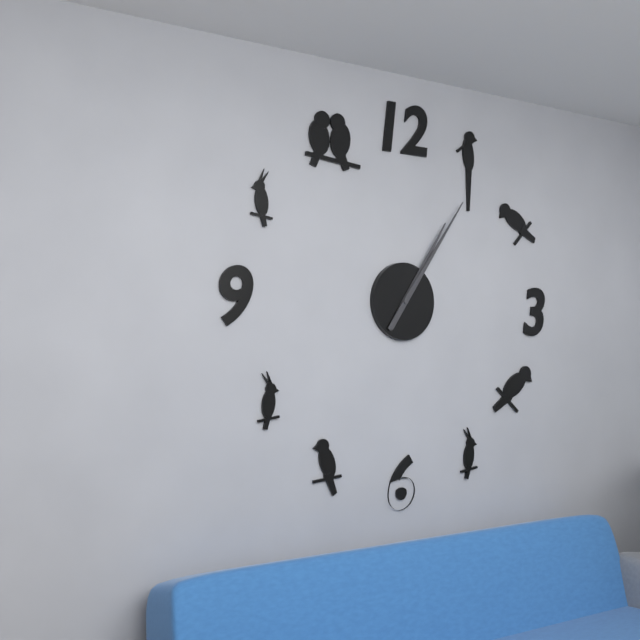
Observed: 1:06
